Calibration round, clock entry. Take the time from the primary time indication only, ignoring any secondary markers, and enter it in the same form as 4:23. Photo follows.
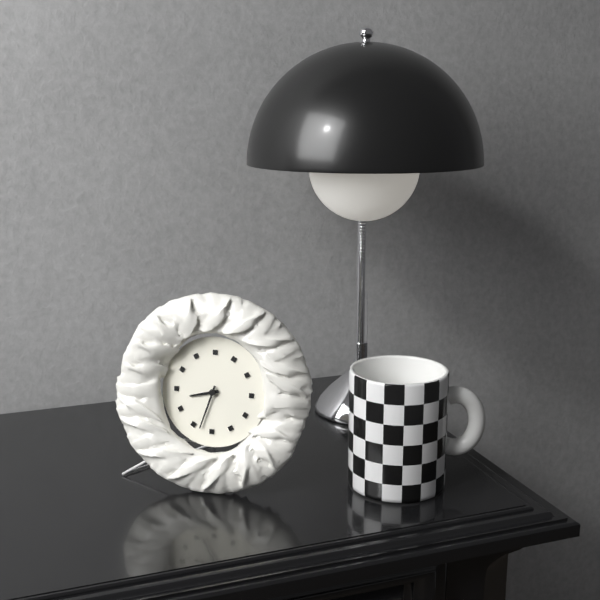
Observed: 8:33
